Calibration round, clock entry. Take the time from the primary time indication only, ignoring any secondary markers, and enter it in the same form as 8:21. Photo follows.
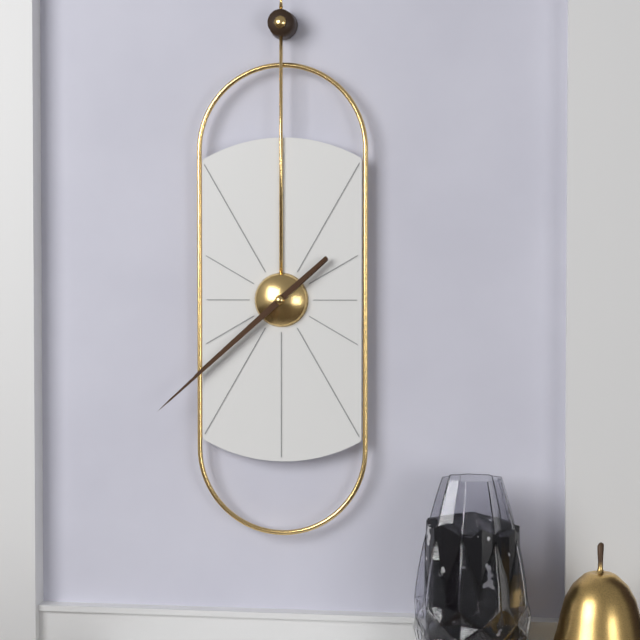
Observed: 7:38
